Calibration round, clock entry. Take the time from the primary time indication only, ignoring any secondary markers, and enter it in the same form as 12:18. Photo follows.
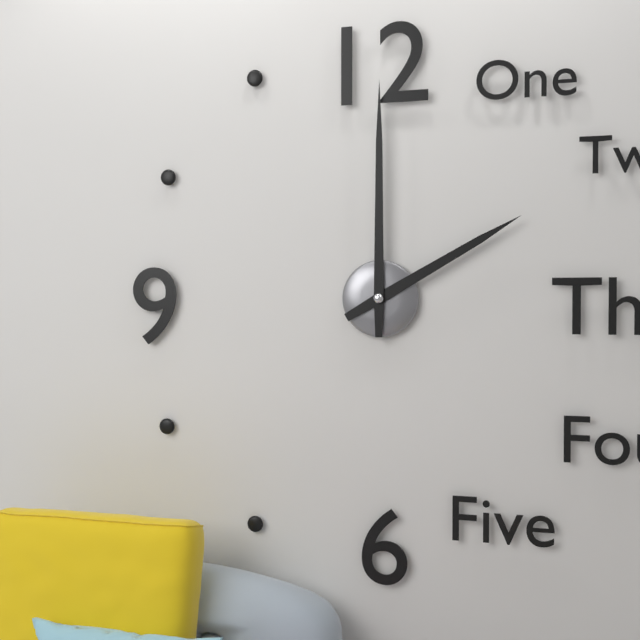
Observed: 2:00
